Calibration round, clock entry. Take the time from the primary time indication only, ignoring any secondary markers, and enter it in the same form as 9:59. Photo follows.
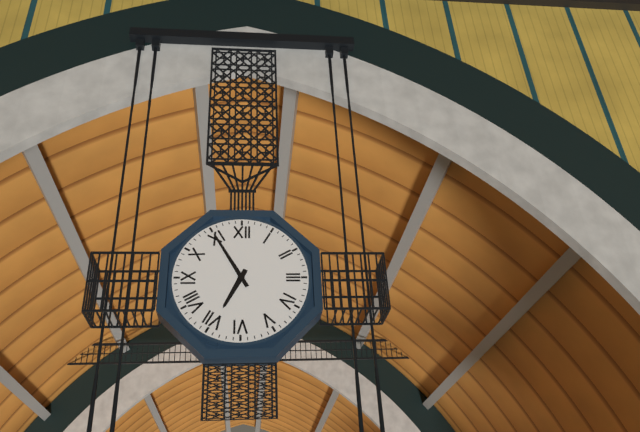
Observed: 6:55
